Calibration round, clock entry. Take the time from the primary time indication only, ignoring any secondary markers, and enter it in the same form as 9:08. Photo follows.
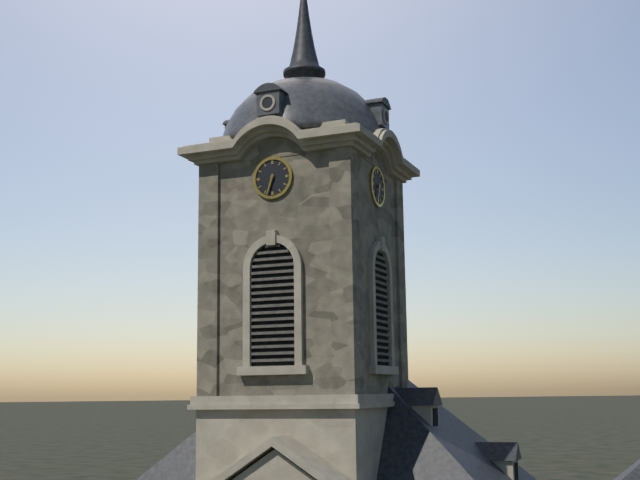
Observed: 6:33
